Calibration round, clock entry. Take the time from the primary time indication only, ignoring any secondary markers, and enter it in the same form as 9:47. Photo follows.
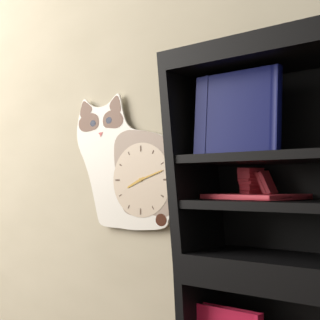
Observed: 8:12
